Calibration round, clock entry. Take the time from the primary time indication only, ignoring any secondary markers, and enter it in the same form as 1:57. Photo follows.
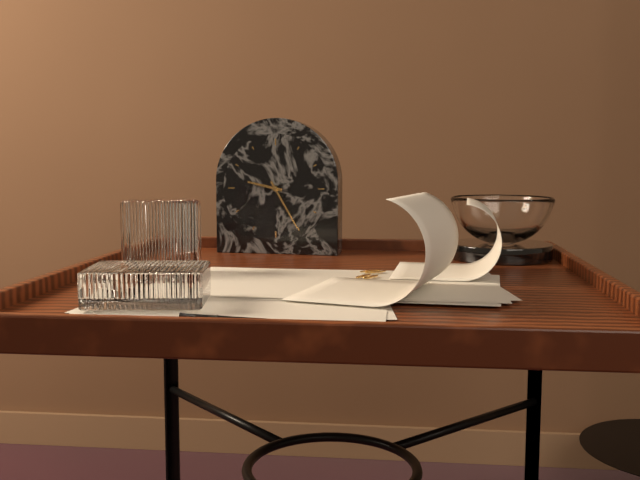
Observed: 9:25
